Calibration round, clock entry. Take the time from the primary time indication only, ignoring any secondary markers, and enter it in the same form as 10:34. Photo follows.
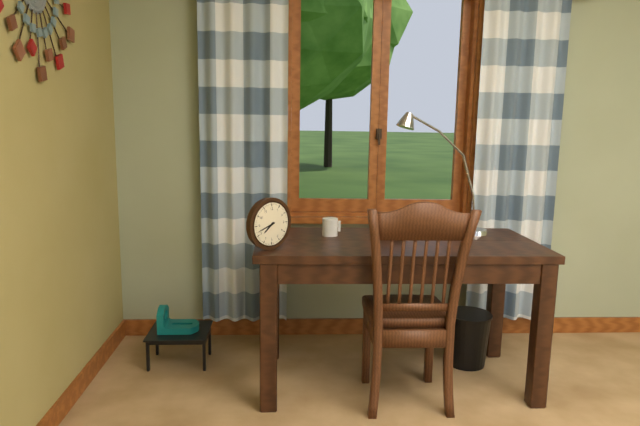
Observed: 7:42
